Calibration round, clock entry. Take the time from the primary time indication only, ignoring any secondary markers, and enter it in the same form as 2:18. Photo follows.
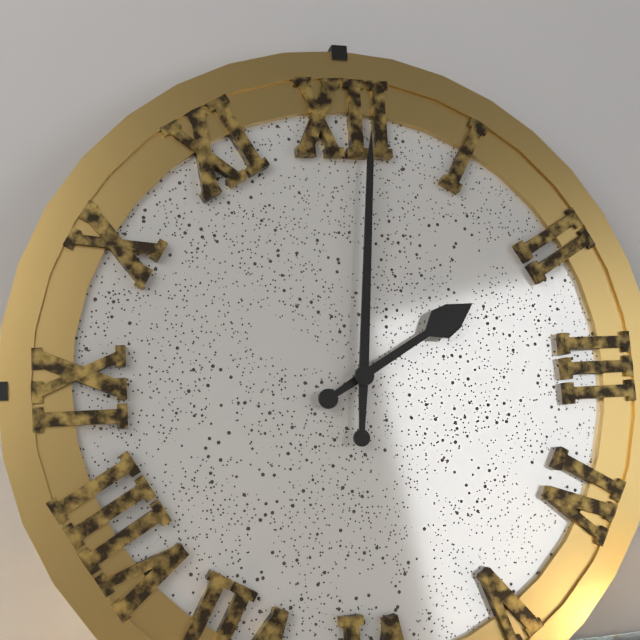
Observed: 2:01
